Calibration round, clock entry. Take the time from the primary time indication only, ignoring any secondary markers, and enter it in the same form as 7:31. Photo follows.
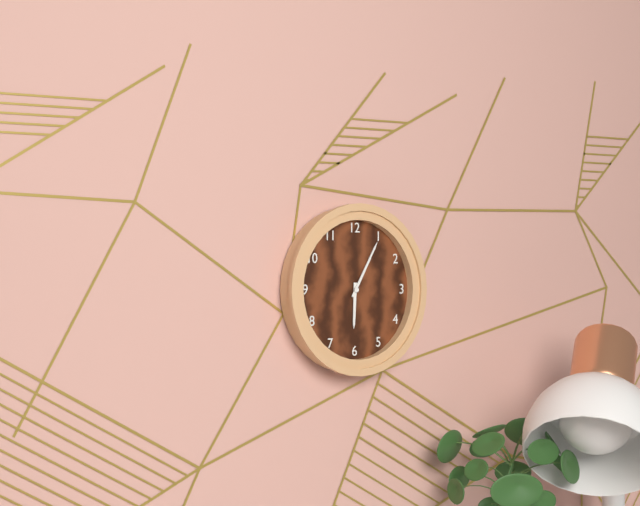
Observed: 6:05
